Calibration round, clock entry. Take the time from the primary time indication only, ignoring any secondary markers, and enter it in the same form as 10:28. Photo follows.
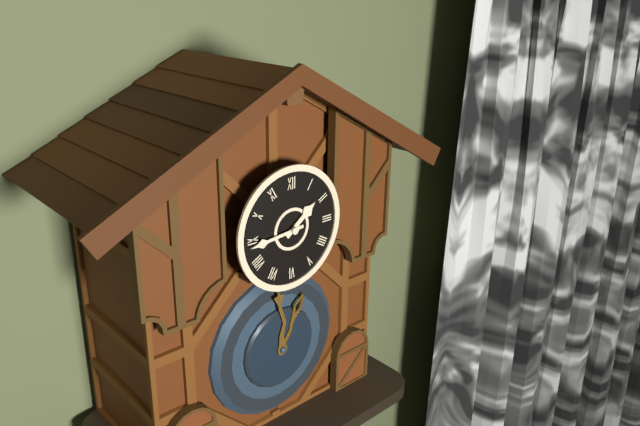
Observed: 1:44
